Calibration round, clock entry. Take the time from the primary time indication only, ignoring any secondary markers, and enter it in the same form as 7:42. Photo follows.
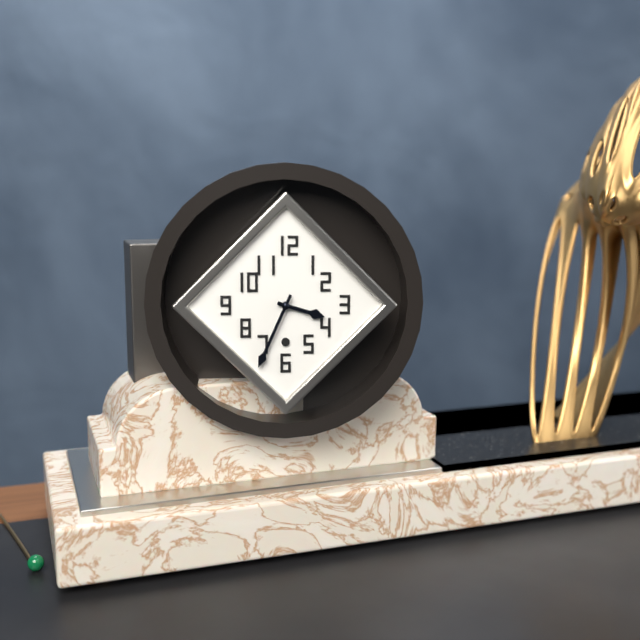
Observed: 3:34
